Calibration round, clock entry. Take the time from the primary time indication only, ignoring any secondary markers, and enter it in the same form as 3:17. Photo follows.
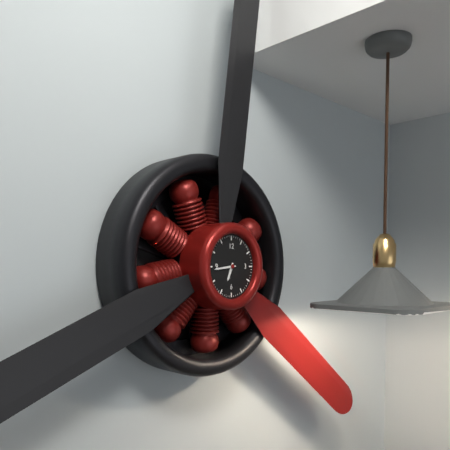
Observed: 6:44
